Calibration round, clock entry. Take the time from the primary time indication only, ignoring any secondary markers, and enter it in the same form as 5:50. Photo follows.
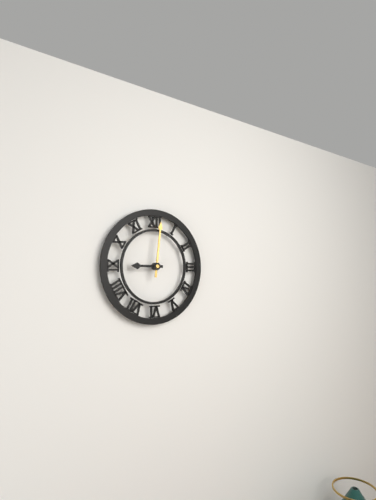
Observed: 9:01
